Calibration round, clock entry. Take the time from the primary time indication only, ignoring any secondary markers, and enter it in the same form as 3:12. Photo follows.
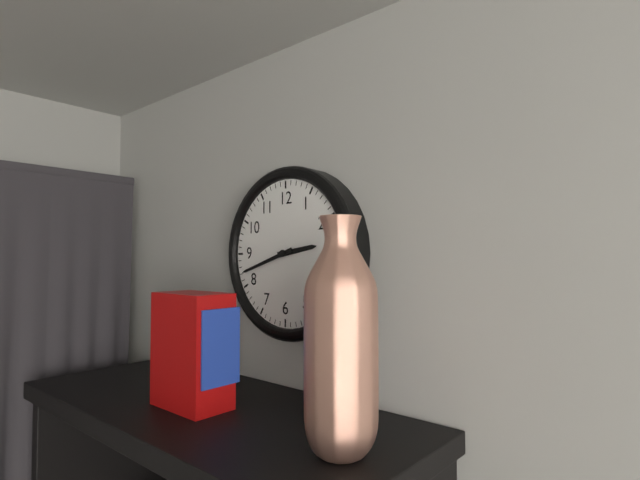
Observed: 2:42
